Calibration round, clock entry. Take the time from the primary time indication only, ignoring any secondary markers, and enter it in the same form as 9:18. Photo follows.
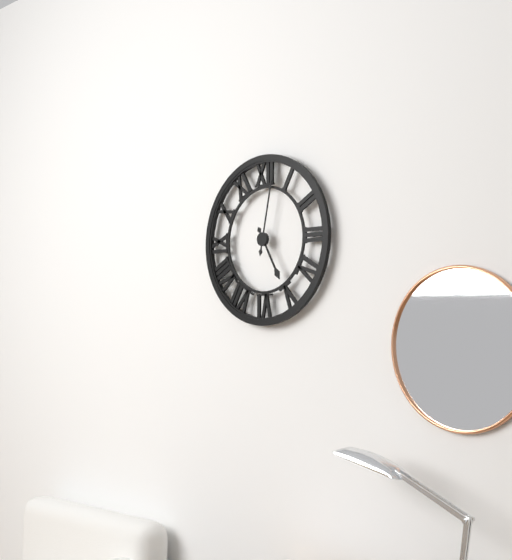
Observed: 5:02
